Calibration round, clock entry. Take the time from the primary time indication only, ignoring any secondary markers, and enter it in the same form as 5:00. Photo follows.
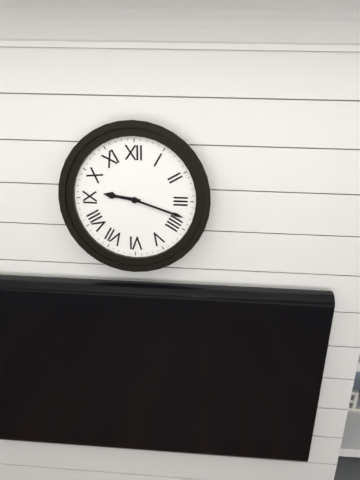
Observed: 9:18
